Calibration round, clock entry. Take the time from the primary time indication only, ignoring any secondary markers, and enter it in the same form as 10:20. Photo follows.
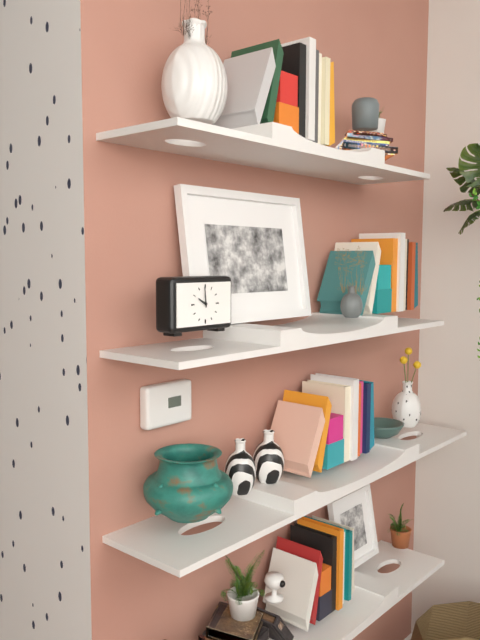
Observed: 9:59
